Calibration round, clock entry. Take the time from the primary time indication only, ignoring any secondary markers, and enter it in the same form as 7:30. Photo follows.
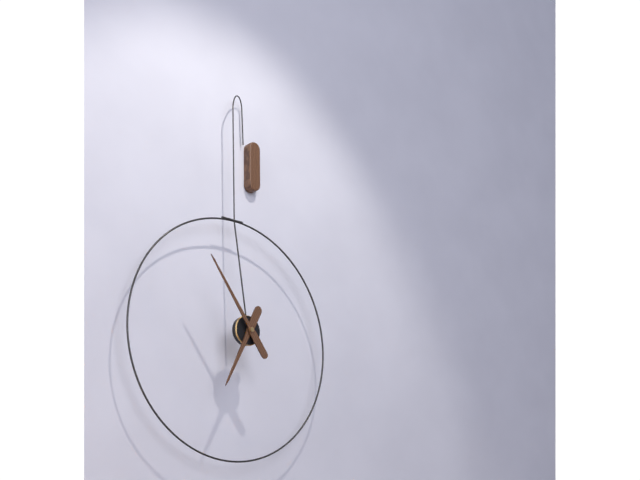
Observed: 6:54
